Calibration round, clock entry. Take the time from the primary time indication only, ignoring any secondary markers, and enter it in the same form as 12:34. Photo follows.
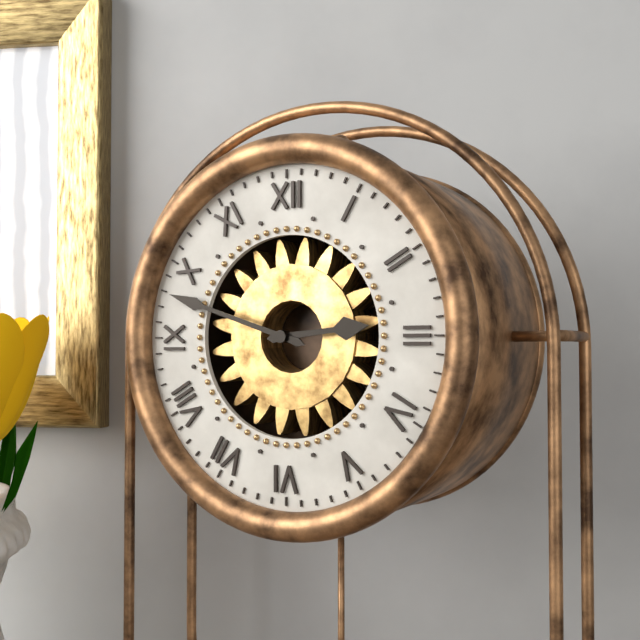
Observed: 2:48
